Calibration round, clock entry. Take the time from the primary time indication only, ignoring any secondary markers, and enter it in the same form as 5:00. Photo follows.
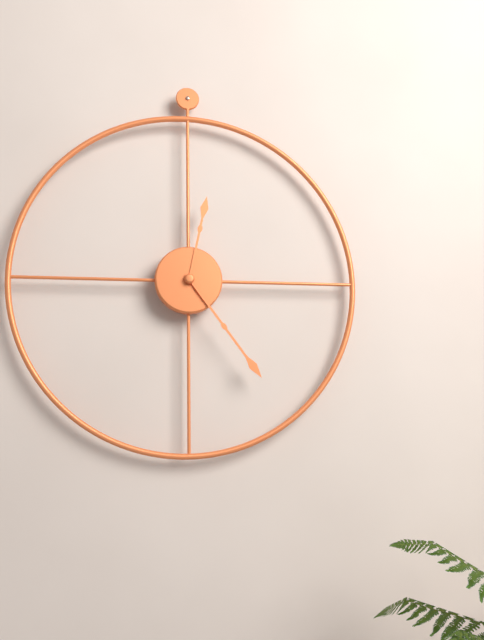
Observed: 12:24
